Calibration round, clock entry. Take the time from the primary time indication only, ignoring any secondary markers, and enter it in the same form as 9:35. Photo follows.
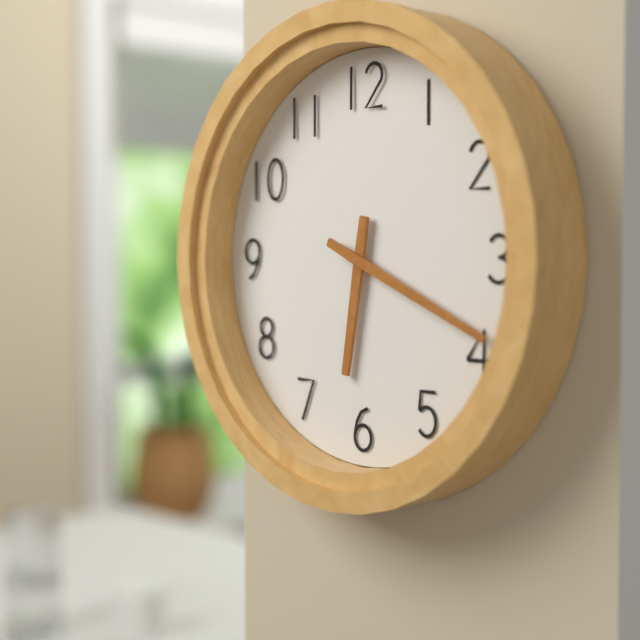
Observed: 6:19
